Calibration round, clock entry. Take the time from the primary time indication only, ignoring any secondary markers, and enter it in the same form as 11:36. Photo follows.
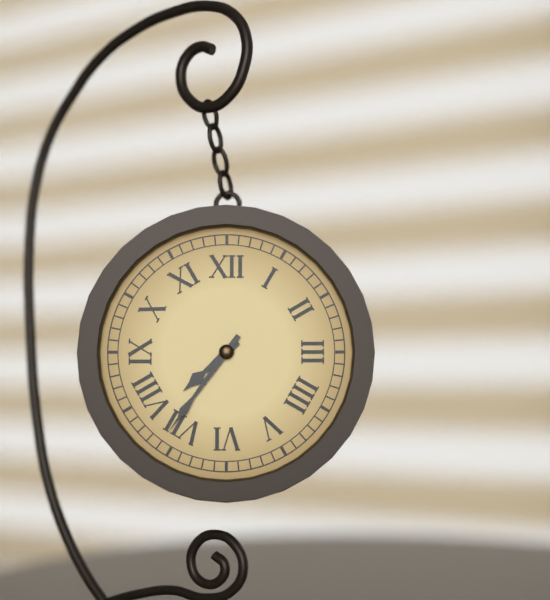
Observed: 7:36
